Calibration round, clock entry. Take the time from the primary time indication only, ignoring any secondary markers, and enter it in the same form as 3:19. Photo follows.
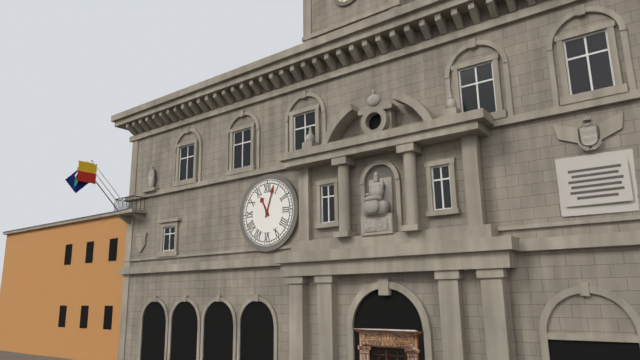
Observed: 11:03
